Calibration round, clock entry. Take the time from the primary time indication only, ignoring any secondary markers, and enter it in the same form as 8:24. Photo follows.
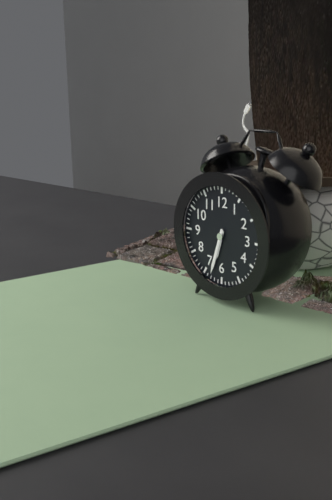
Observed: 6:33
